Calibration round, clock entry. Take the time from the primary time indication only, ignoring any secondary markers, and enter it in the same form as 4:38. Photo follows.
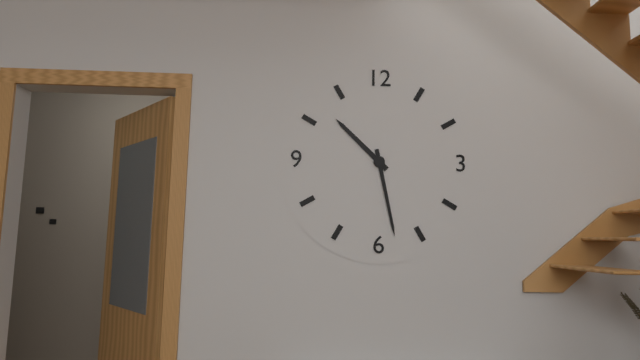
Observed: 10:28
